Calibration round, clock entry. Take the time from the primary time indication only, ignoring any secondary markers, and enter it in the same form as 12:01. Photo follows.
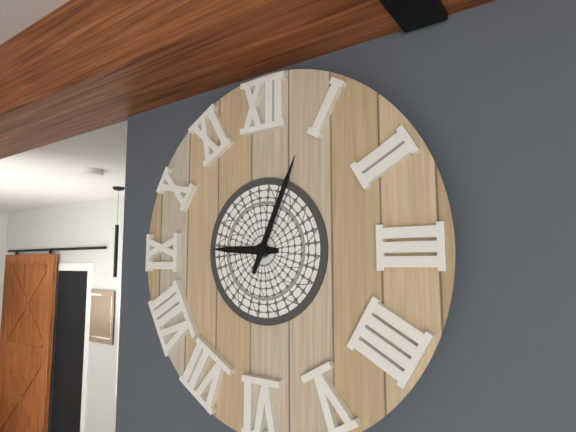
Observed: 9:04
